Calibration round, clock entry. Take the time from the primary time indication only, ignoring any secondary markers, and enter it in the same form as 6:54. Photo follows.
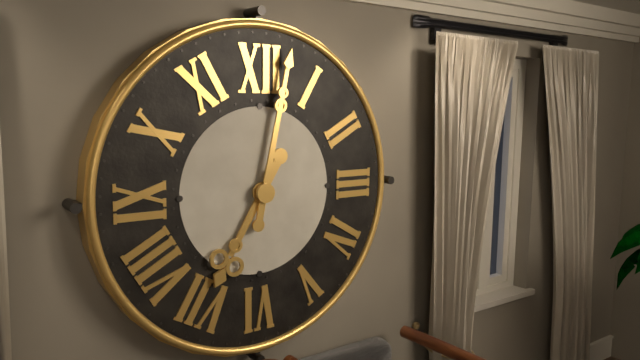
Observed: 7:02
